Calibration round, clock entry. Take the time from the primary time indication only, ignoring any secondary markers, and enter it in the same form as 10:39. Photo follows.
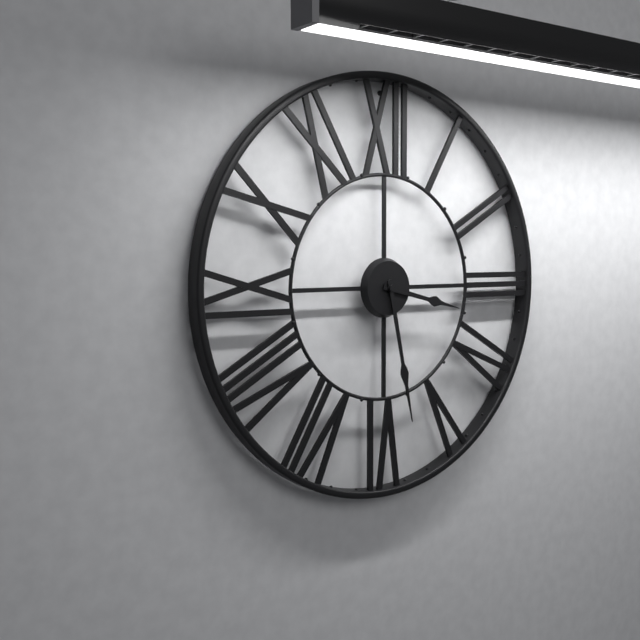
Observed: 3:28
